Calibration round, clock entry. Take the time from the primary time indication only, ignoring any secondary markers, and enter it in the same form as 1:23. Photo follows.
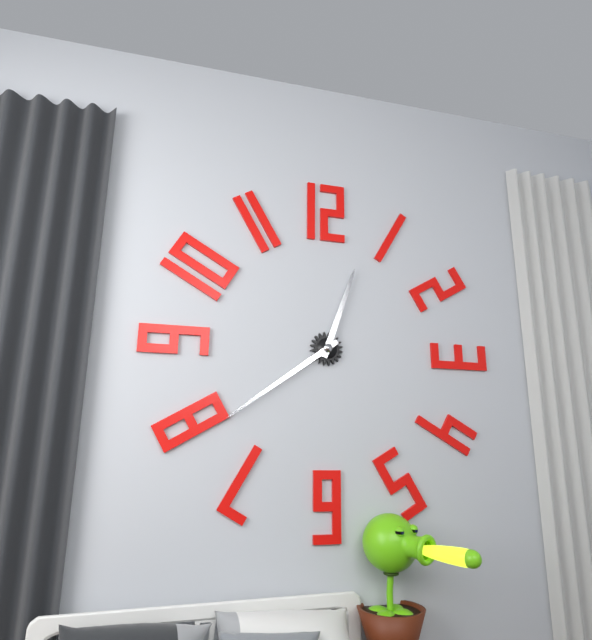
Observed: 12:39
